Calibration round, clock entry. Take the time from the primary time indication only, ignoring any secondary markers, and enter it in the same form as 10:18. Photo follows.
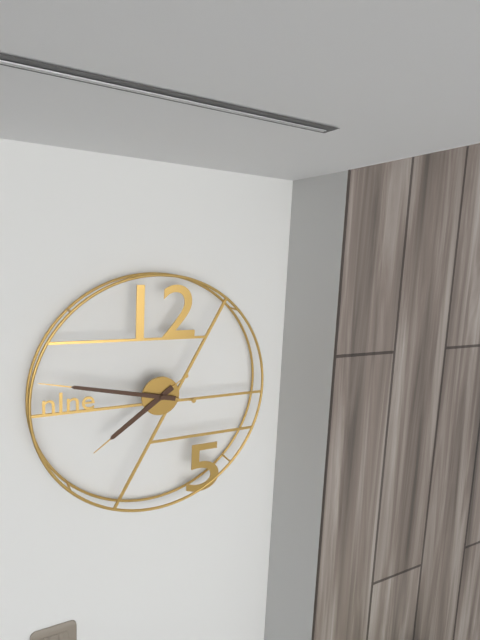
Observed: 7:47
